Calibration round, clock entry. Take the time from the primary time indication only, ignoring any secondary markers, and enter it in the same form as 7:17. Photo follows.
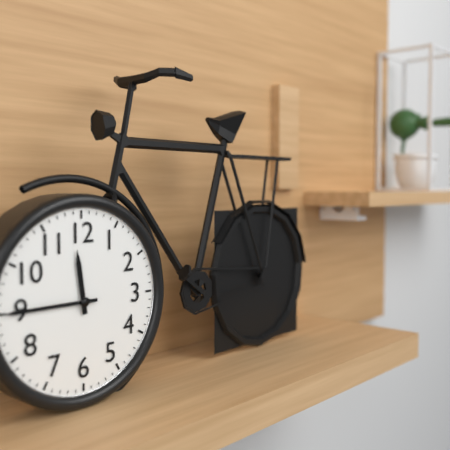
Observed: 11:45
